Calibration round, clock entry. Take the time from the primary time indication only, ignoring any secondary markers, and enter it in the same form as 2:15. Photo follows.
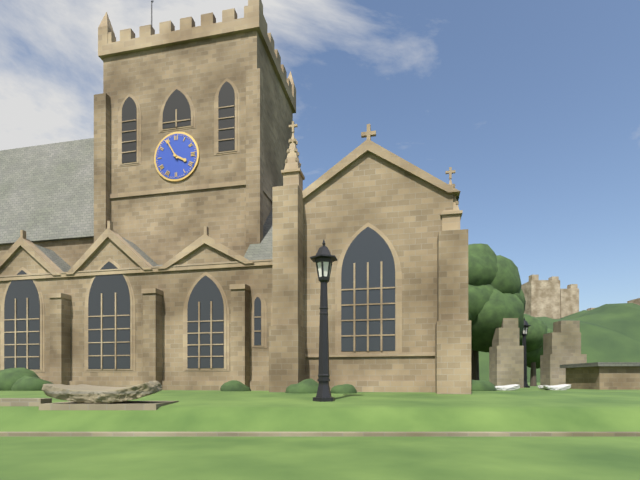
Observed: 3:55
